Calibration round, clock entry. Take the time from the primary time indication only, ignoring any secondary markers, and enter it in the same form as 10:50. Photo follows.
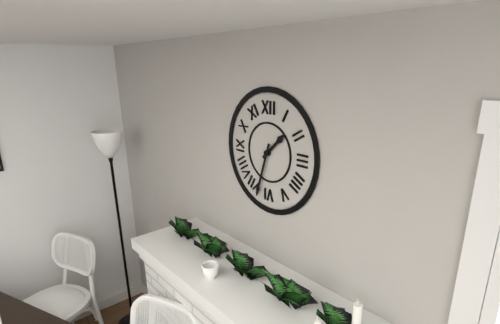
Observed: 1:33
